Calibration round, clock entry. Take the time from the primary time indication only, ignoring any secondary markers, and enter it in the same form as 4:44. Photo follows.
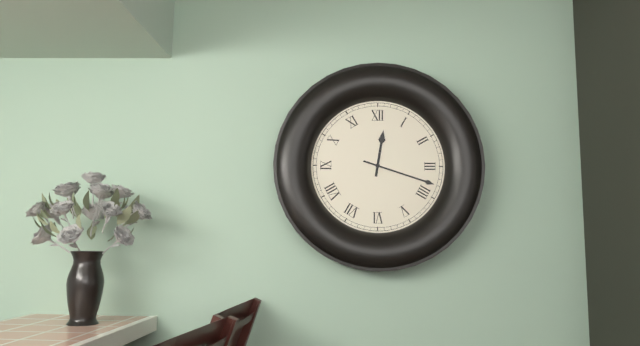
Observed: 12:18
